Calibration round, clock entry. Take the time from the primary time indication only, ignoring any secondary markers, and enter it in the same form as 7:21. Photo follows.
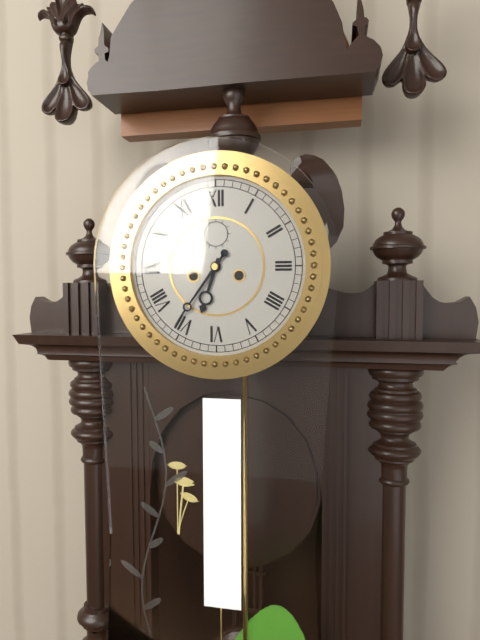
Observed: 6:36
